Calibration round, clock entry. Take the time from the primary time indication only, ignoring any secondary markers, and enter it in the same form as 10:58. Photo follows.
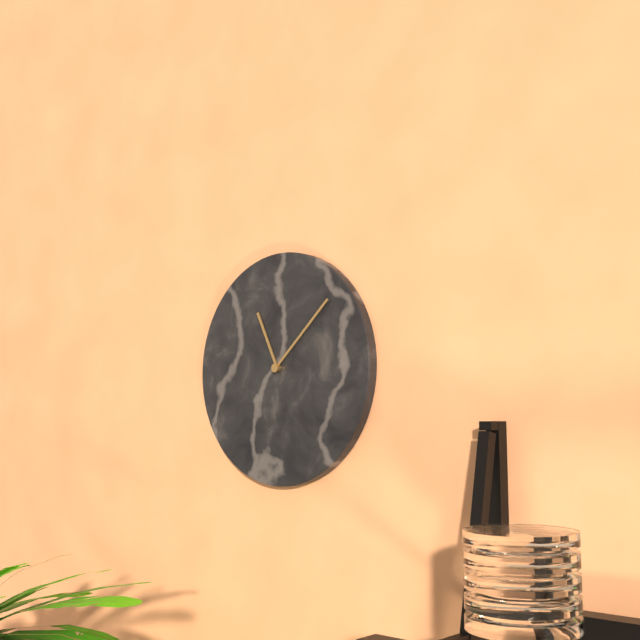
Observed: 11:08
